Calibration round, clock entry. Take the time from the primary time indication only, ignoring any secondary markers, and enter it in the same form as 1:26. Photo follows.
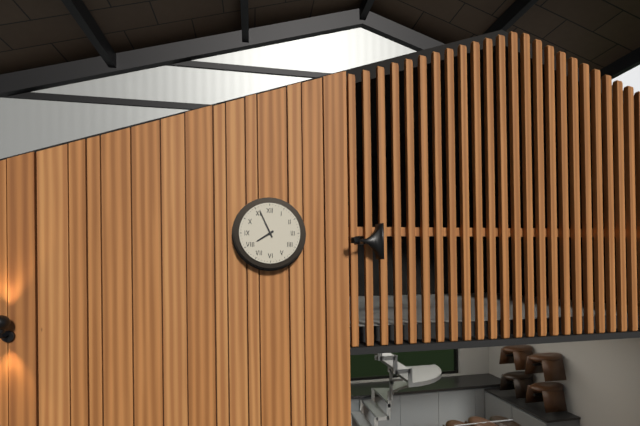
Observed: 7:56
